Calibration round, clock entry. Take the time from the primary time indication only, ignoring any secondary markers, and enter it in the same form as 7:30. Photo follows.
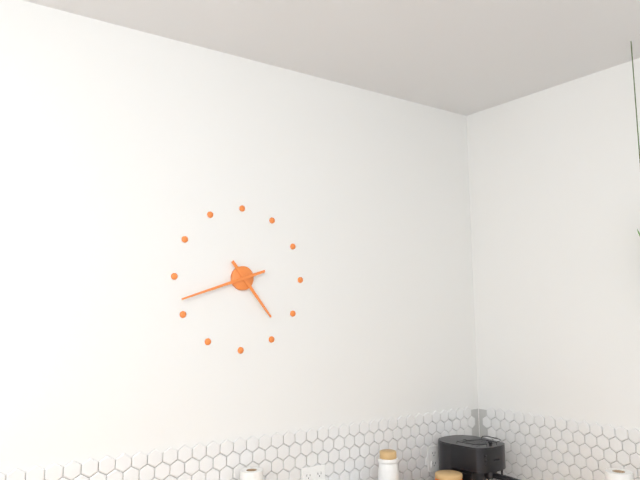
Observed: 4:42
